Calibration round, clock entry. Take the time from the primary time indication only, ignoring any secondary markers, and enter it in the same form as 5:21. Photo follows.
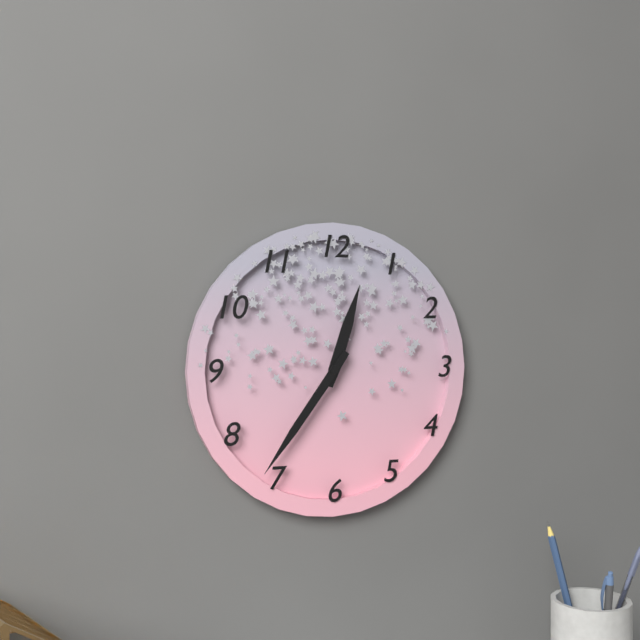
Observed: 12:36
